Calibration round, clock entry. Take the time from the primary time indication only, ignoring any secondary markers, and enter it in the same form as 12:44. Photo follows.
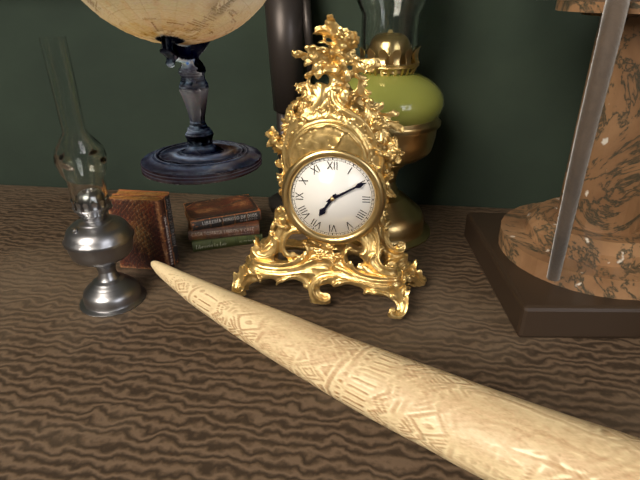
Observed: 7:10
